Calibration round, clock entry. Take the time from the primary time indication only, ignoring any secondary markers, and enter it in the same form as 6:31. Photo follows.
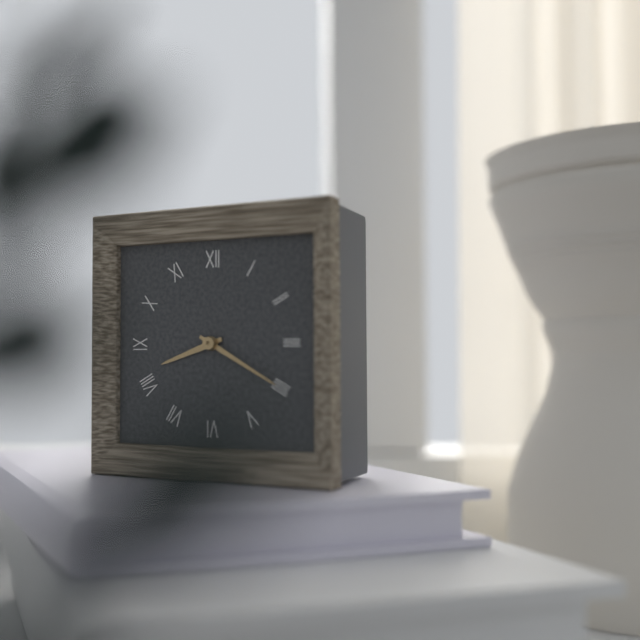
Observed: 8:20
